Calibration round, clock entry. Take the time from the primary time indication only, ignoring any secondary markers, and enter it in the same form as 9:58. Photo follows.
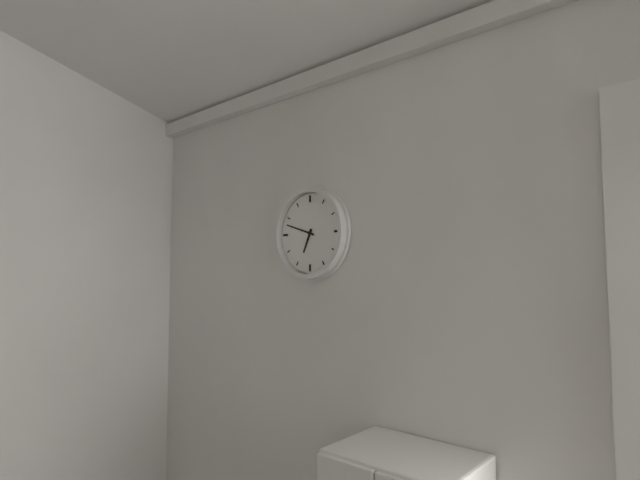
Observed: 6:48
